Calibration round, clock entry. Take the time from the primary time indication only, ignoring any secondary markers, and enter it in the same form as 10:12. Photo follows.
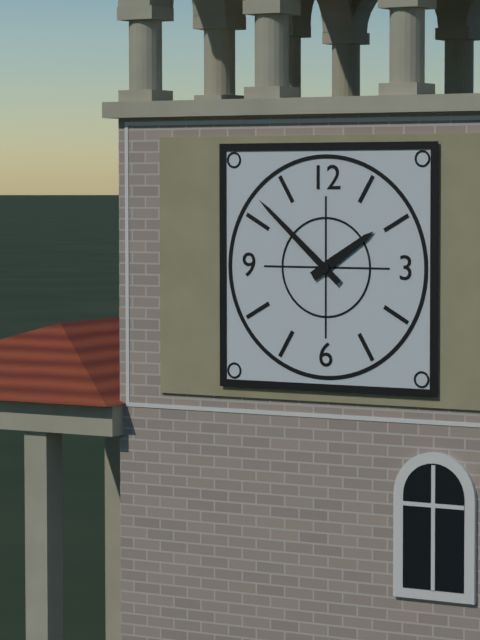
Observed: 1:52
